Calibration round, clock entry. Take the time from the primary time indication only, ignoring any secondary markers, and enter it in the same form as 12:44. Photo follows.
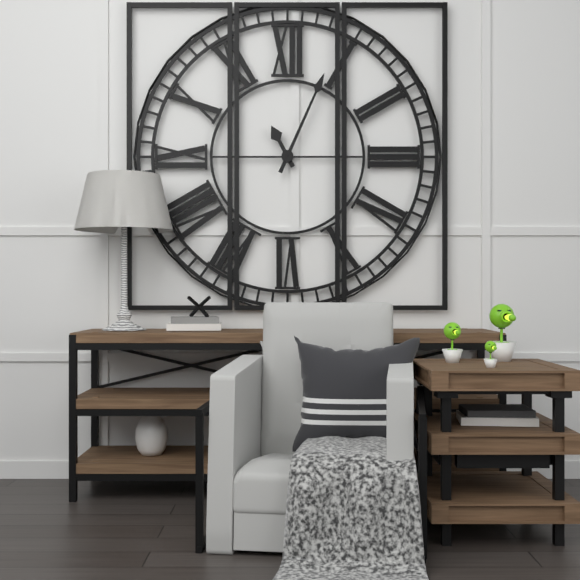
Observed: 11:04
